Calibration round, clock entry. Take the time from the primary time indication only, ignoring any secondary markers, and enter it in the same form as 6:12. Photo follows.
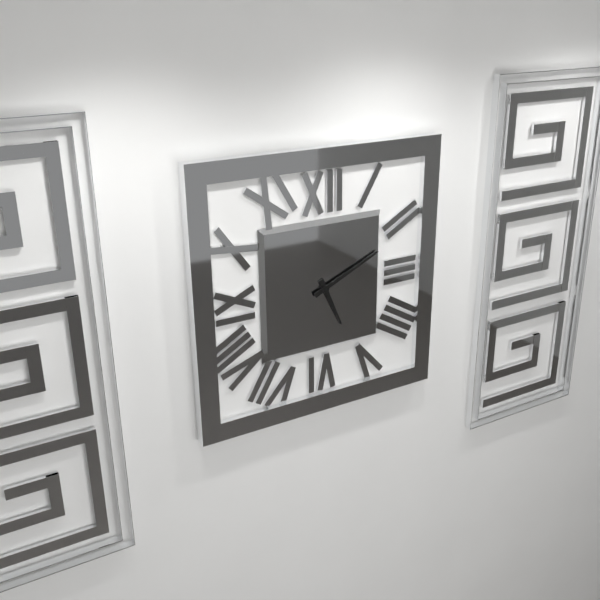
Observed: 5:11
